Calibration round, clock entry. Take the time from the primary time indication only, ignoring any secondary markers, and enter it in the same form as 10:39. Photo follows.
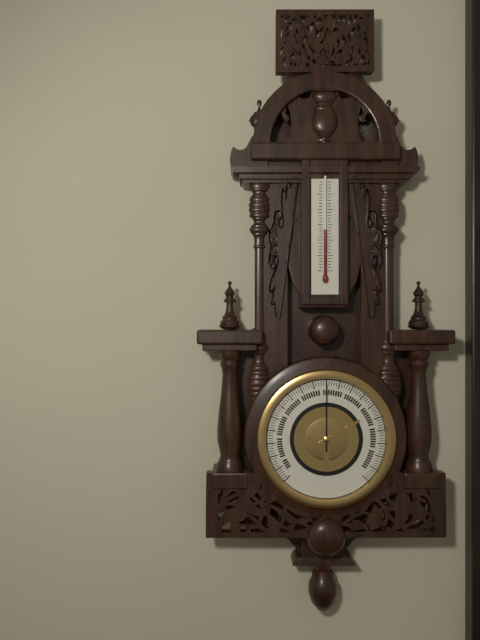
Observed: 2:00
